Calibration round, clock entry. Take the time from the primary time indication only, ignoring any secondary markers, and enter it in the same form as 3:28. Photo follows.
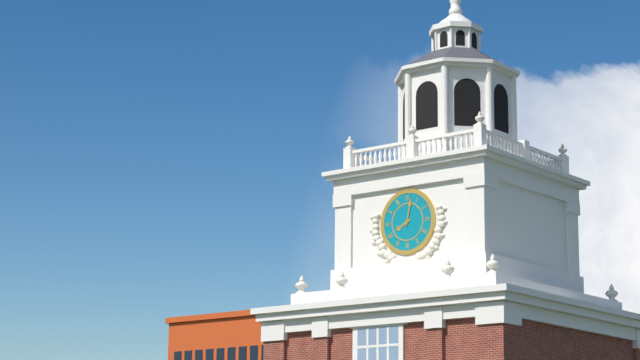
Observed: 8:02
